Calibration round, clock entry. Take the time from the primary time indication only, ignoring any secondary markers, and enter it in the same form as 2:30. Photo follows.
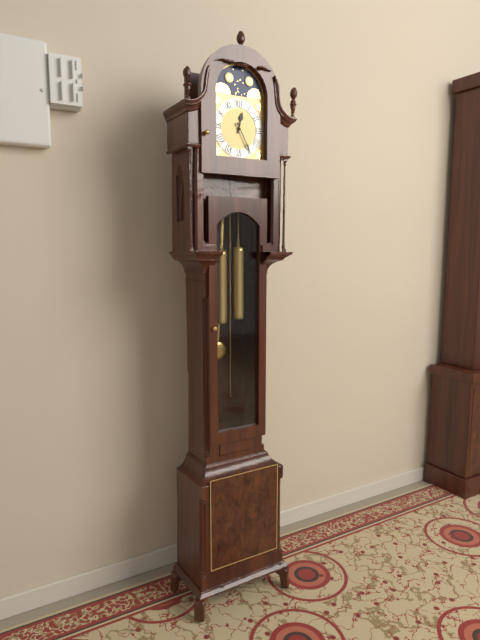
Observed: 12:25
